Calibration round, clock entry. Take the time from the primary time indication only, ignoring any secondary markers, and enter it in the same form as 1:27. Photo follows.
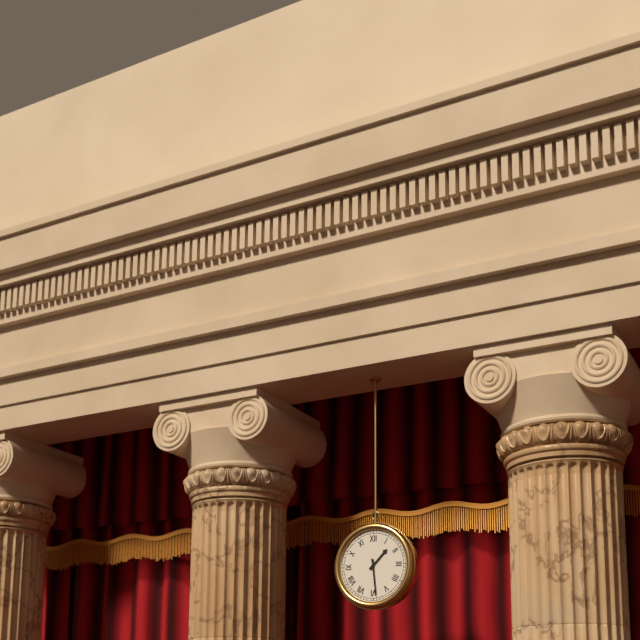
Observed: 1:29
